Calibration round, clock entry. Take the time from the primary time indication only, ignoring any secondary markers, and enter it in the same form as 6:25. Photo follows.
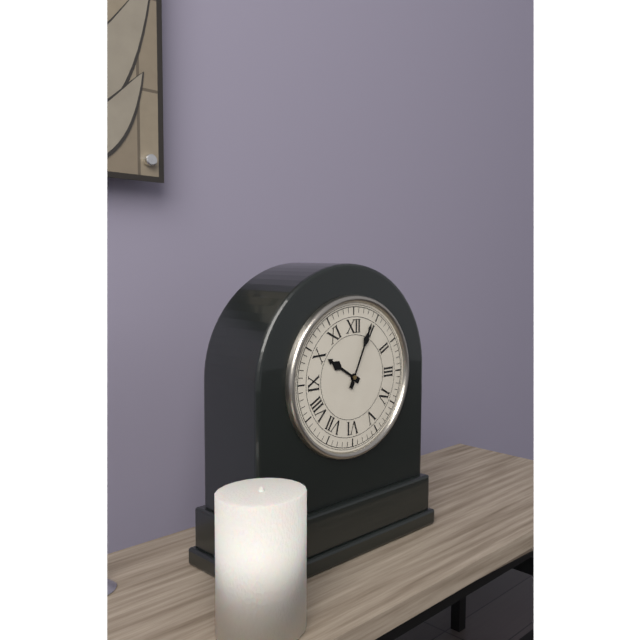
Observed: 10:04
